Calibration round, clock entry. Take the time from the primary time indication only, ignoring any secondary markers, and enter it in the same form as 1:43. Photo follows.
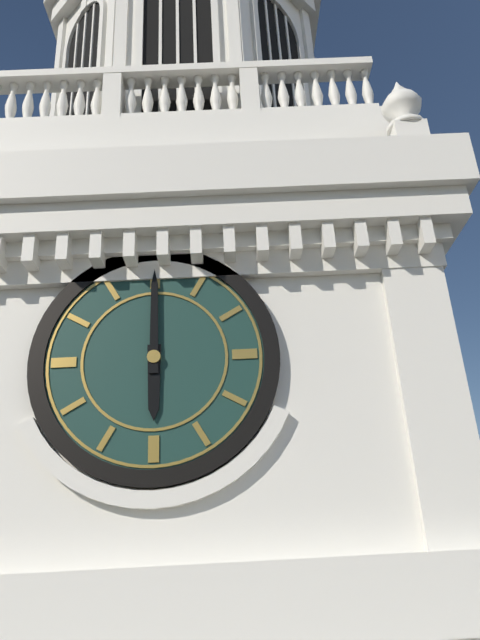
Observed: 6:00
